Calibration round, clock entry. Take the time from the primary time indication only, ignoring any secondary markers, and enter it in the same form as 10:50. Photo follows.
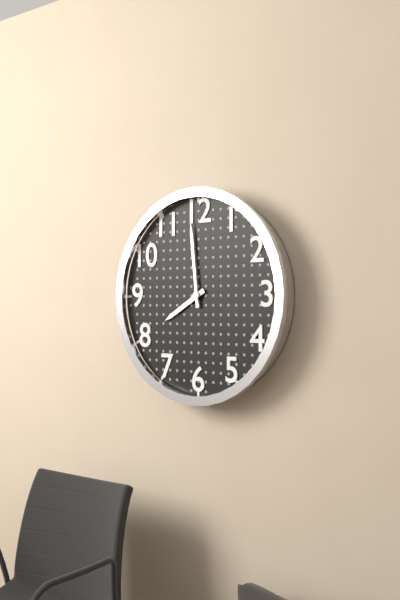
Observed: 7:59
